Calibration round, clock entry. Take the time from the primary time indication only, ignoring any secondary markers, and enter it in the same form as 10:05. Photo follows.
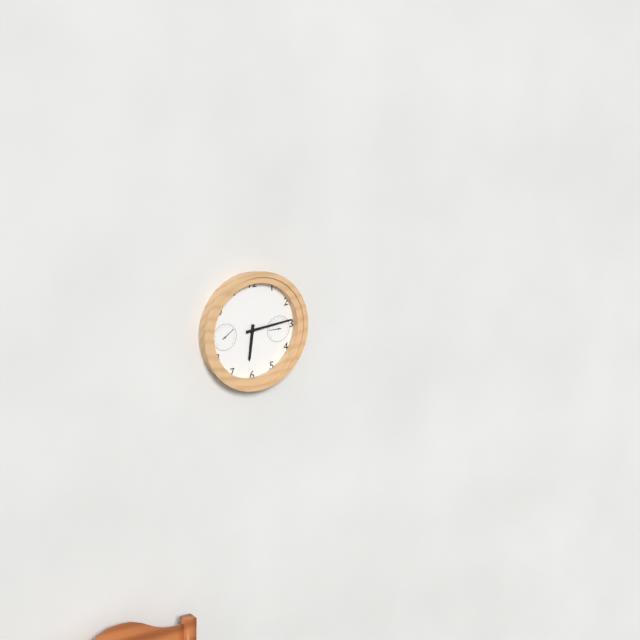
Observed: 6:14
